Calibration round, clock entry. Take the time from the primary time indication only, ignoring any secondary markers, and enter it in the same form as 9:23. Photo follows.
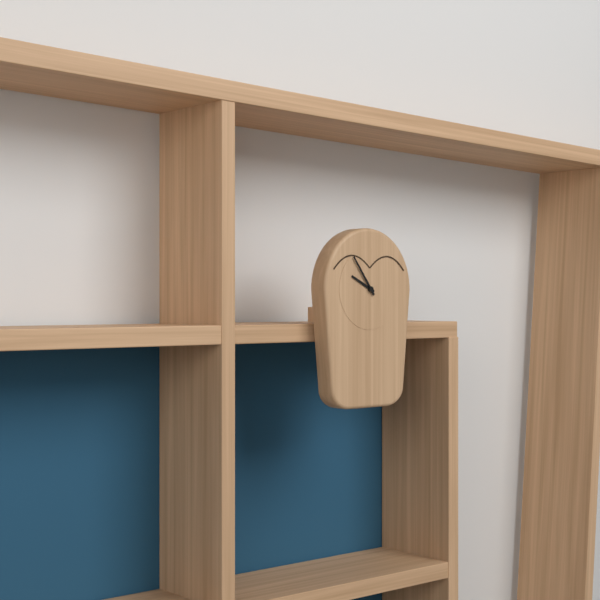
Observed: 9:54
